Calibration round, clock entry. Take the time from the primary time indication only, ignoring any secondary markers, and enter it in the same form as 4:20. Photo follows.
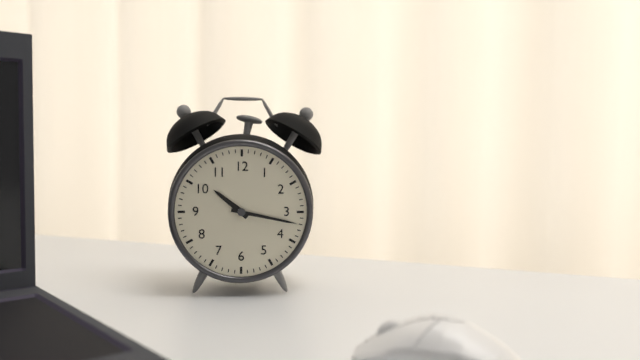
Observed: 10:17
